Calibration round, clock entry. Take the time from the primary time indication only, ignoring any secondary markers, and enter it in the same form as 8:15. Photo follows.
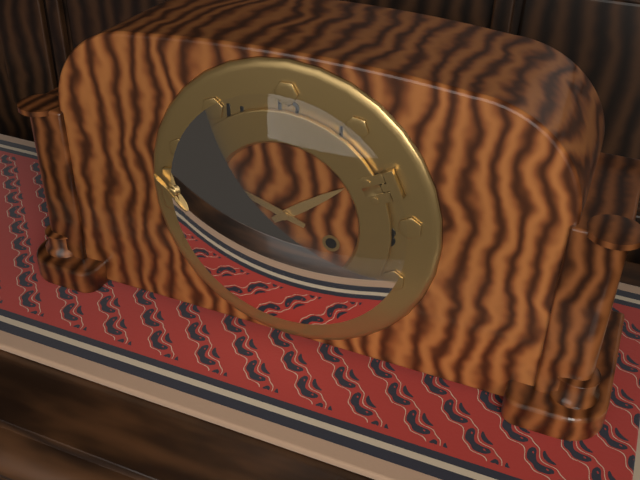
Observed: 1:48
